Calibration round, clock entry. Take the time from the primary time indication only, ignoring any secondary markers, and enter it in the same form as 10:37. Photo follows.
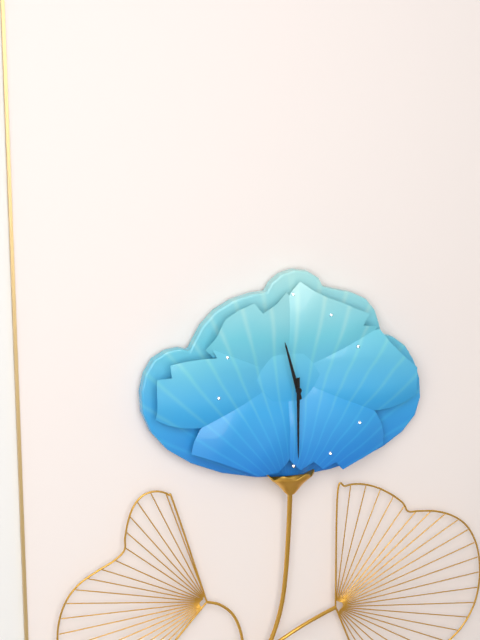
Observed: 11:30
